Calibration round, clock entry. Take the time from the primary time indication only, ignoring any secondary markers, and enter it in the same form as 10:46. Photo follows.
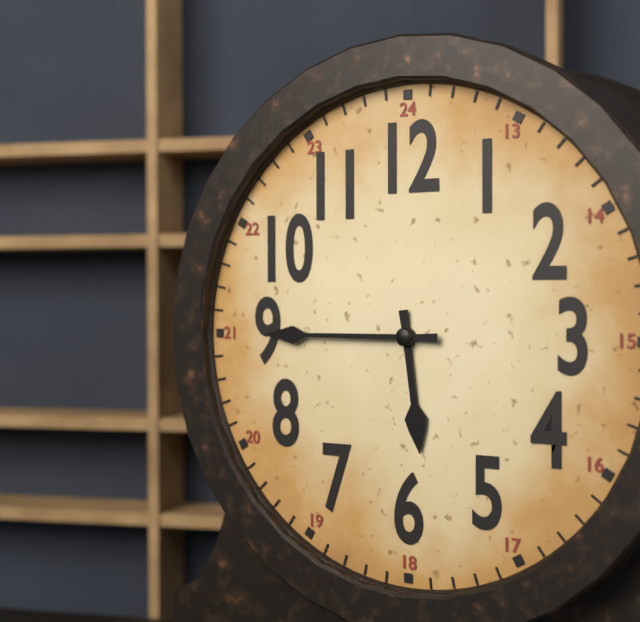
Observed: 5:45
